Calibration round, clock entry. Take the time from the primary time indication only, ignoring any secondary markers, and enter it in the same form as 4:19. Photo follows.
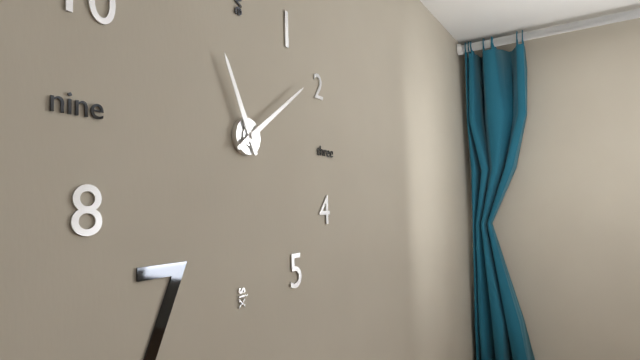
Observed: 11:09
